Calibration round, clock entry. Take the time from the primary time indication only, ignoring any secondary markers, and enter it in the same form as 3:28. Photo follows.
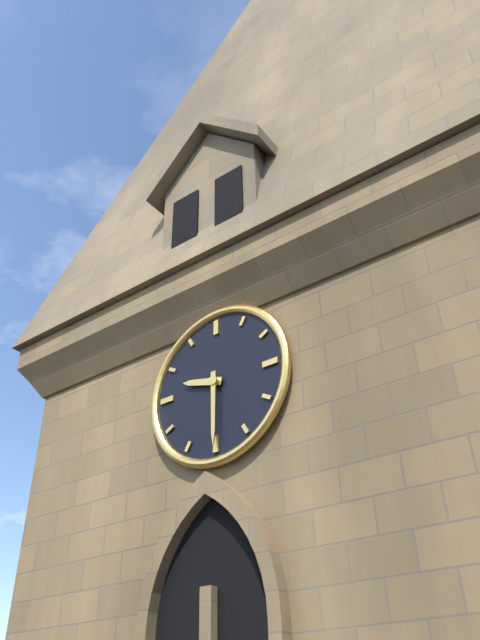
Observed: 9:30
